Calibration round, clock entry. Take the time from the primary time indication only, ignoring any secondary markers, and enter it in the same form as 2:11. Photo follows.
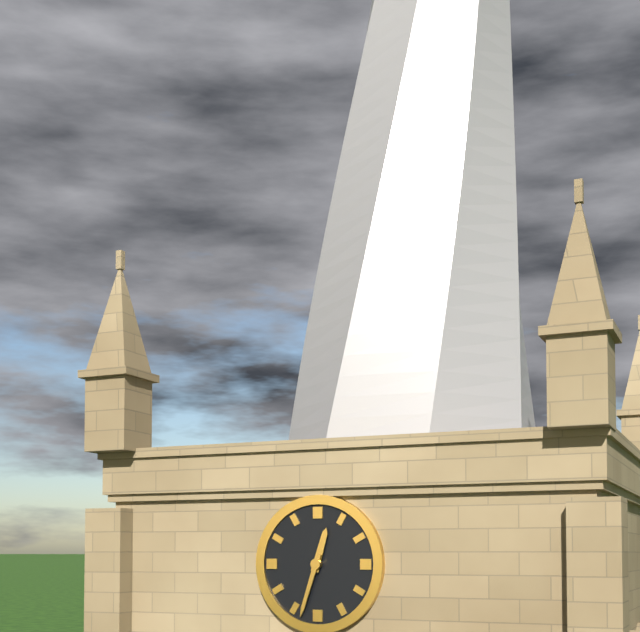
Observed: 12:33
